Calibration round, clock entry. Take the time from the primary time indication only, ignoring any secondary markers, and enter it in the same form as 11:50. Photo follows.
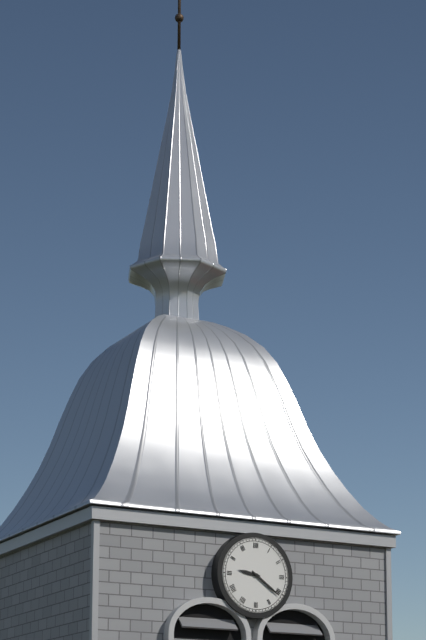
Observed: 9:21
